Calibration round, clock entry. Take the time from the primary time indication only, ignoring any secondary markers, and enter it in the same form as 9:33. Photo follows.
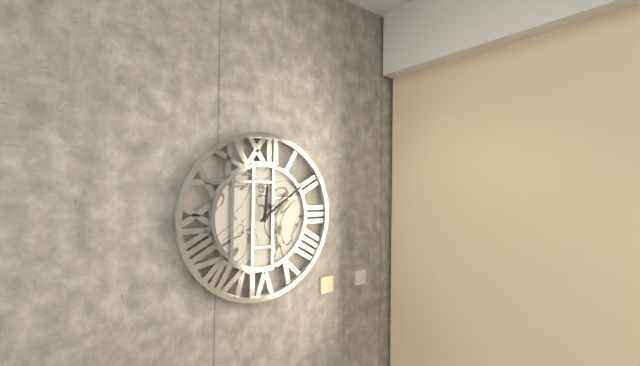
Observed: 12:09
